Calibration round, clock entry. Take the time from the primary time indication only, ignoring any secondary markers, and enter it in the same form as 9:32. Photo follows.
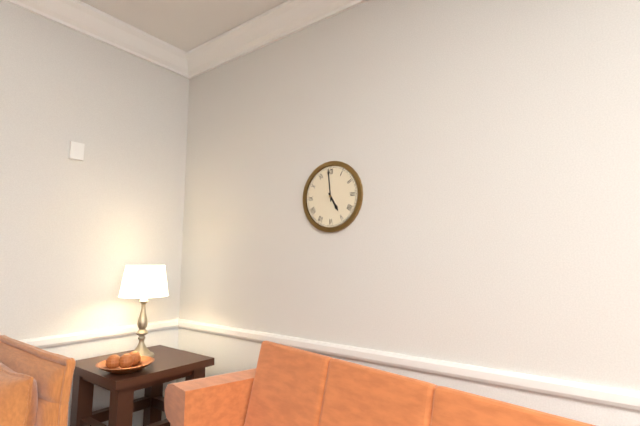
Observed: 4:59
